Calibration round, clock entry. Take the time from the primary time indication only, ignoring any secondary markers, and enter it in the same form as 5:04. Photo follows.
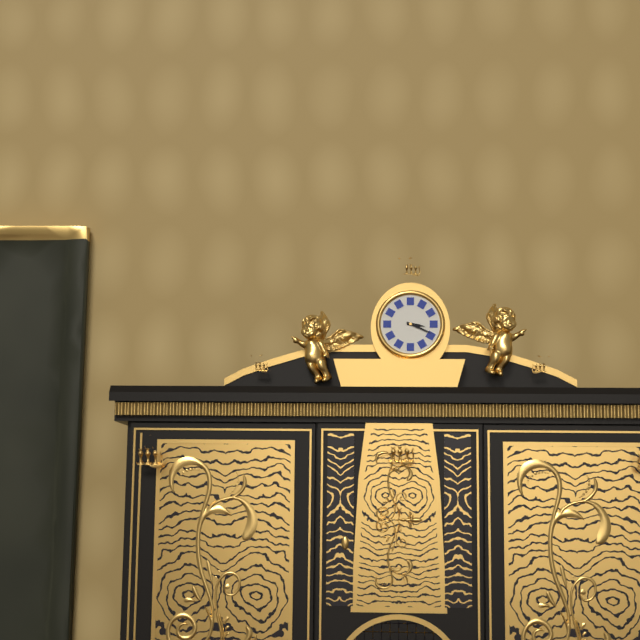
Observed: 3:19
